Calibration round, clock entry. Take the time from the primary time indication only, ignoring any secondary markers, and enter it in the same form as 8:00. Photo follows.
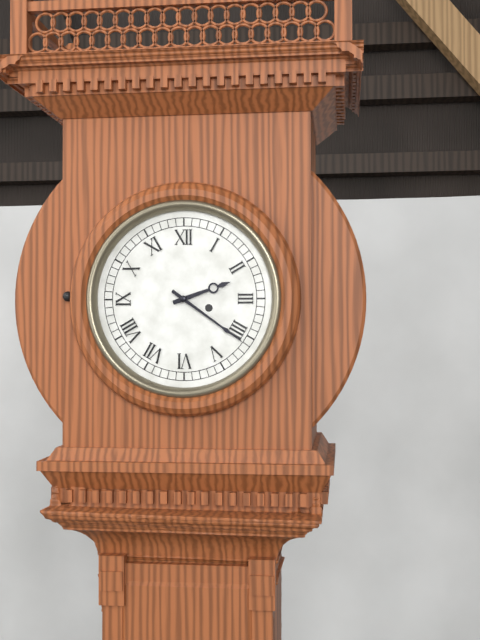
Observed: 2:21
